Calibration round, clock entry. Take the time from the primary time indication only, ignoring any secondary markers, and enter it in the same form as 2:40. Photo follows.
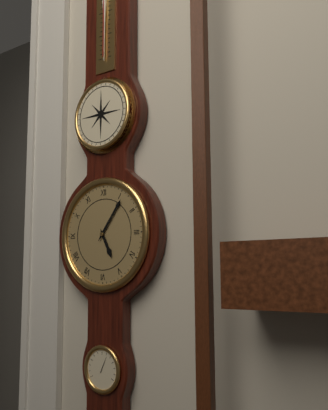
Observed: 5:06
